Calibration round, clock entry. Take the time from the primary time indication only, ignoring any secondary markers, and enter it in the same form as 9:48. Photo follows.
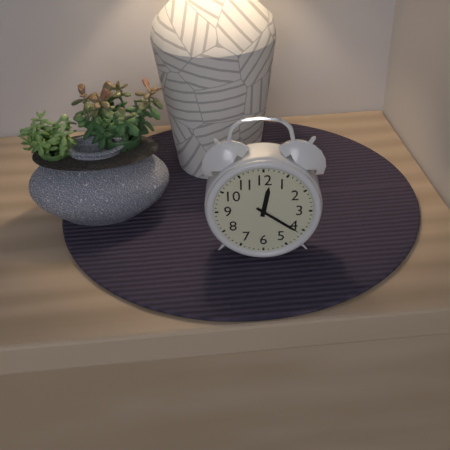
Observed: 12:21
